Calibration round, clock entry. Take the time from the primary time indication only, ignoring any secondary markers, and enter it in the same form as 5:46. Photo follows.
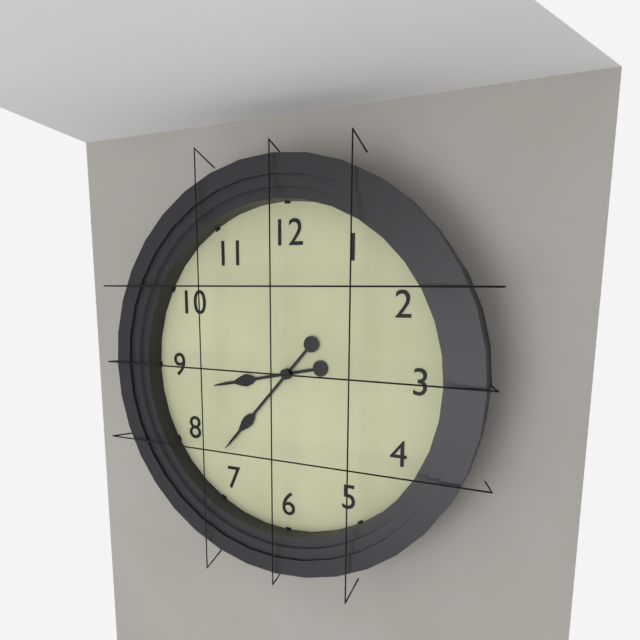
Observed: 8:37
